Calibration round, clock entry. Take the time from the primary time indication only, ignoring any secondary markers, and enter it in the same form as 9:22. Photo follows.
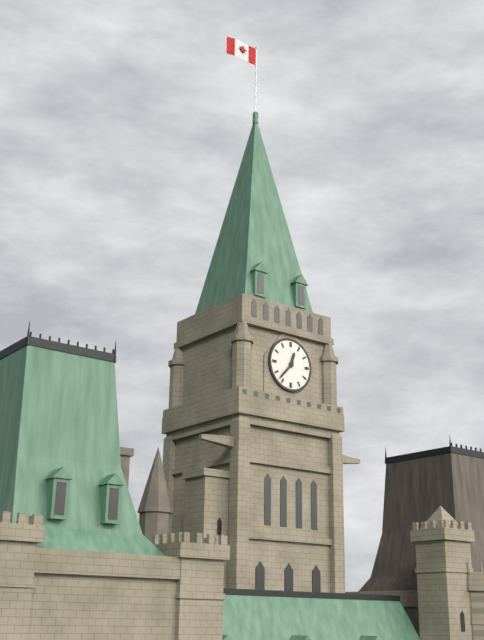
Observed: 12:37
